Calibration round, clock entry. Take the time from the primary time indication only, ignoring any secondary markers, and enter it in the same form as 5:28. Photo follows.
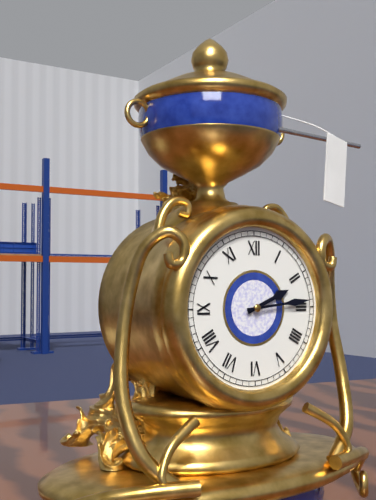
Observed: 2:14
